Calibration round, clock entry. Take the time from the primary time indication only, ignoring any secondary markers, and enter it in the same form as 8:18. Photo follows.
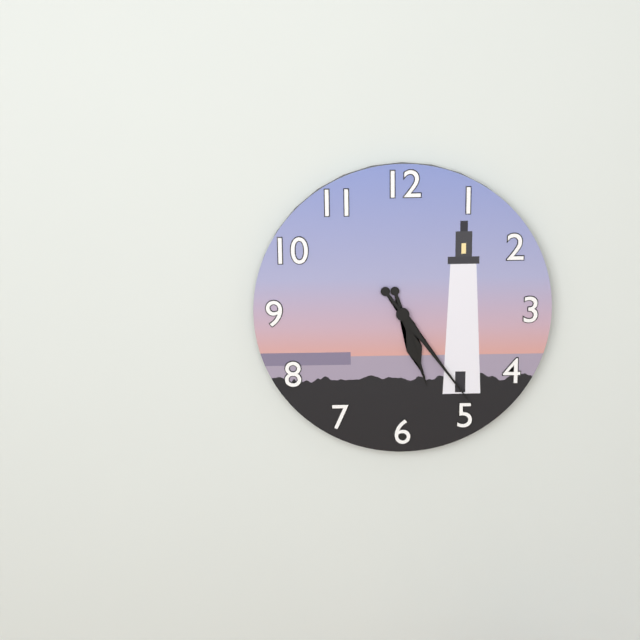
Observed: 5:24
